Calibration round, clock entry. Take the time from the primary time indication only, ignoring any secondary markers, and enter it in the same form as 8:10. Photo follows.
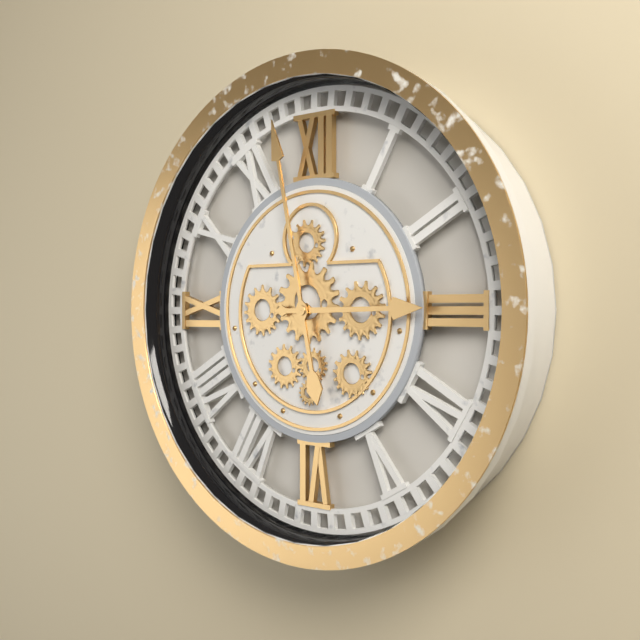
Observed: 2:58
